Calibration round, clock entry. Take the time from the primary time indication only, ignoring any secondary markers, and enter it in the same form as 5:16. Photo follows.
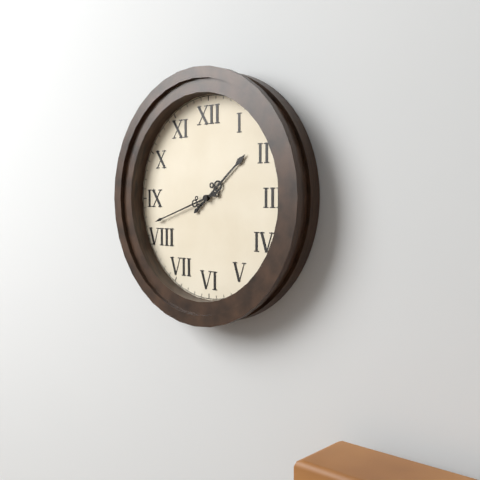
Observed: 1:42
